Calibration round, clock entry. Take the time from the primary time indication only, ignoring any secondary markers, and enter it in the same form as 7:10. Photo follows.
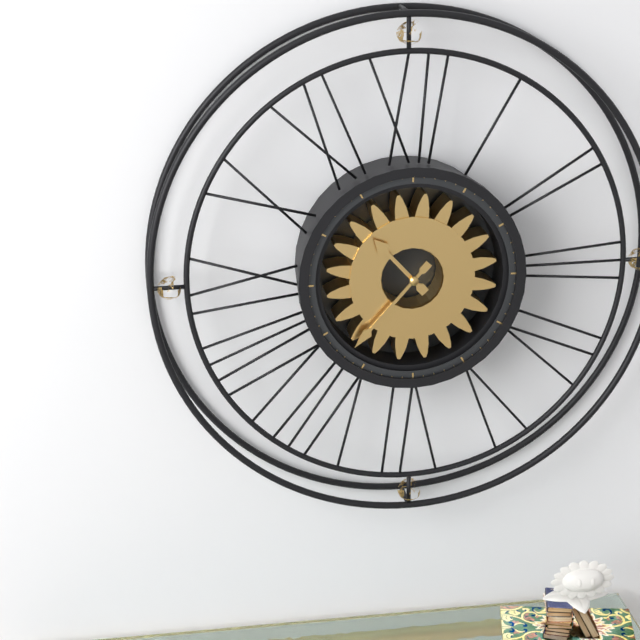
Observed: 10:37
